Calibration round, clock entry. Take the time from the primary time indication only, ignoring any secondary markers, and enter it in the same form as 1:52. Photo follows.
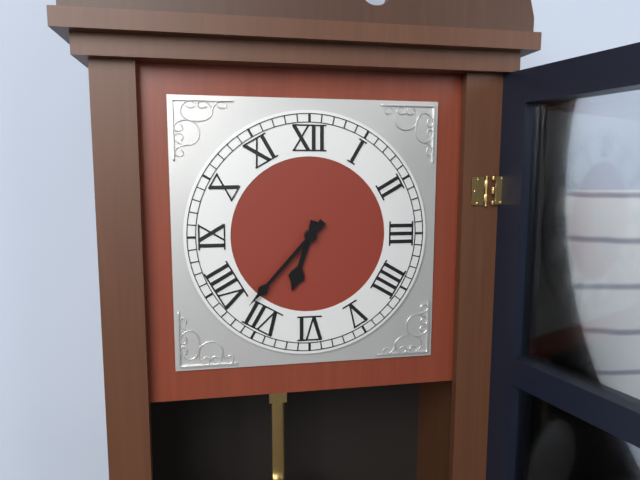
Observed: 6:37
